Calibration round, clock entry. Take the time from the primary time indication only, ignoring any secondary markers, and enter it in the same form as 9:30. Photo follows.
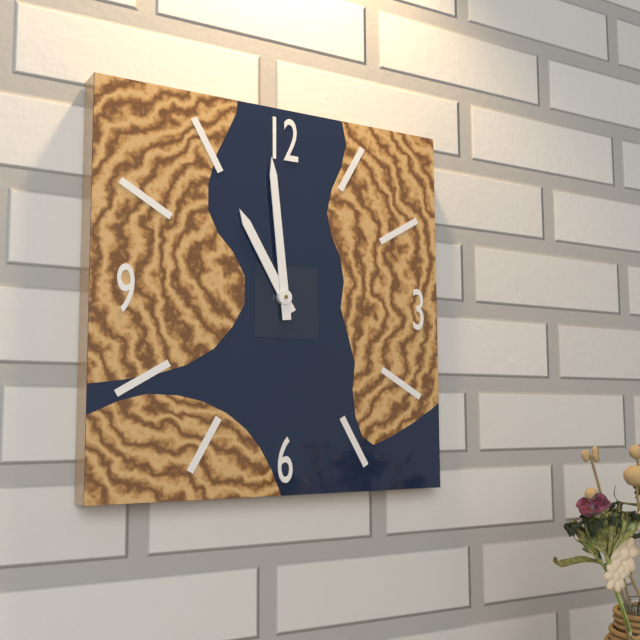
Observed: 10:59
